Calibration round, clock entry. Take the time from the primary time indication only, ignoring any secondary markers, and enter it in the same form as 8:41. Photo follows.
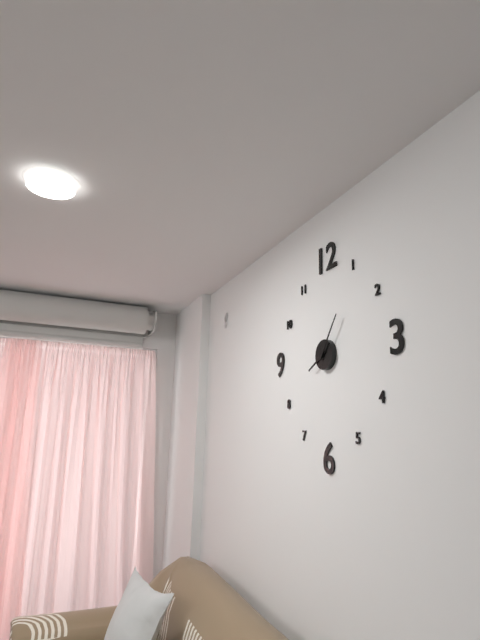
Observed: 8:06
